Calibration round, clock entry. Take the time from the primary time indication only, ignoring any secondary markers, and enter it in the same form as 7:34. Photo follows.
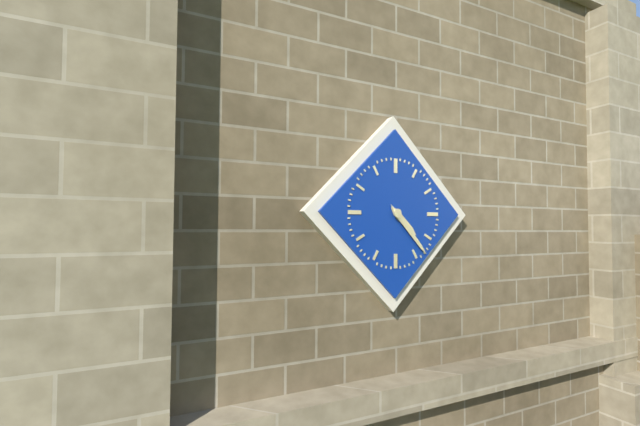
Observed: 4:23
